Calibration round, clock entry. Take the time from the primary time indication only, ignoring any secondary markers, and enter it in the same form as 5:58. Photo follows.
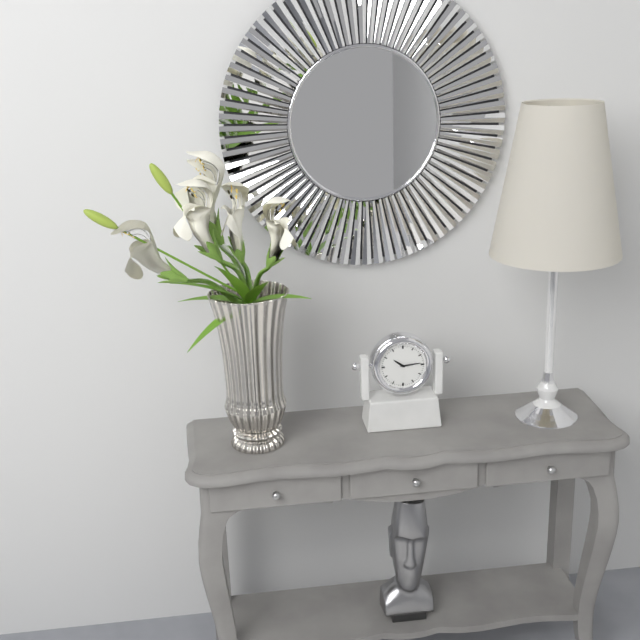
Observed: 10:14
